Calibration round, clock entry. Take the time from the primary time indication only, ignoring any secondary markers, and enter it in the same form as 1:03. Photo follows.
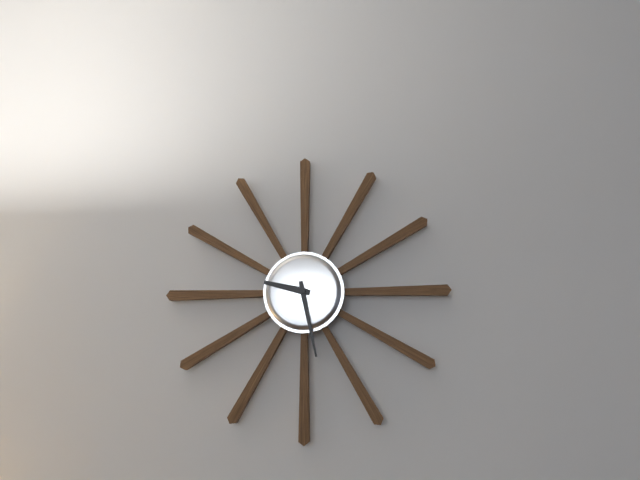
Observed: 9:28
